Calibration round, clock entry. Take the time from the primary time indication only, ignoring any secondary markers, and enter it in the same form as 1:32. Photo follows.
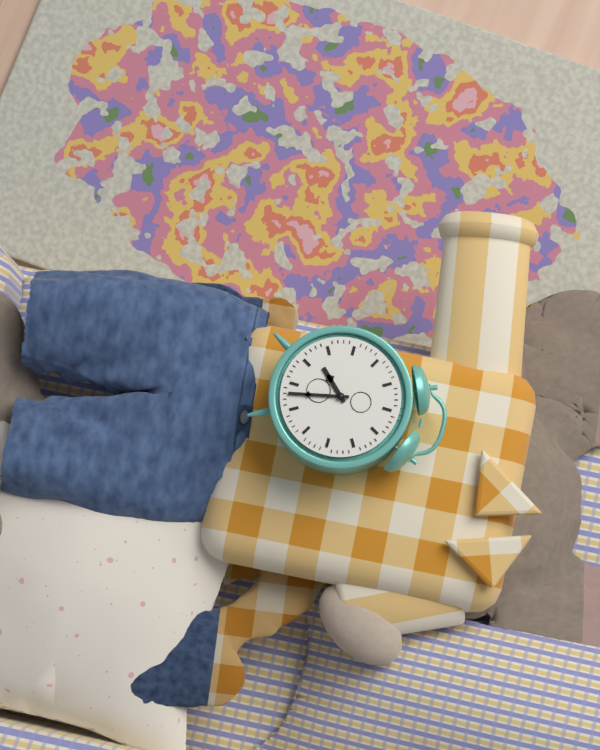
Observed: 7:28
